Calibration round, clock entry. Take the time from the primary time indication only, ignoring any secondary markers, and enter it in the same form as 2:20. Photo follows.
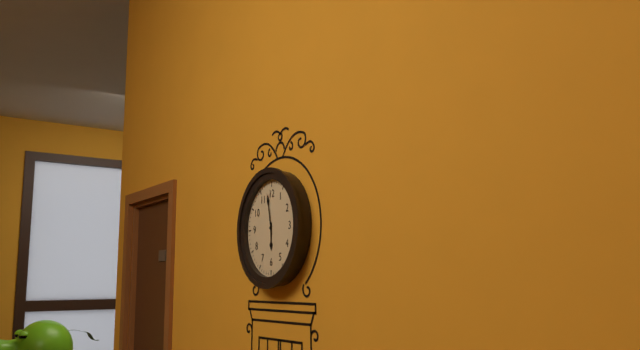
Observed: 5:58
